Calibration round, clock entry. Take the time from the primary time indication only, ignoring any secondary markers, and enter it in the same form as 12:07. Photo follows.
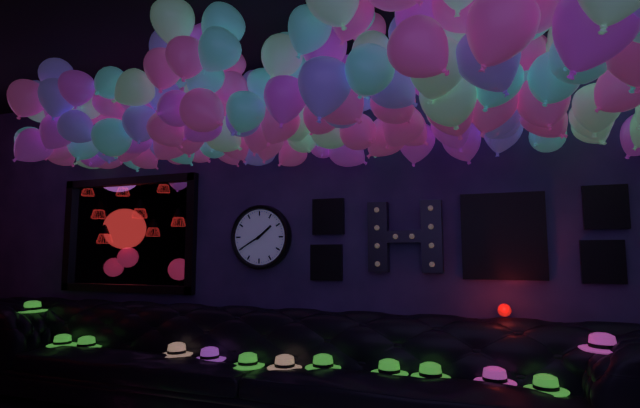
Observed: 1:40
